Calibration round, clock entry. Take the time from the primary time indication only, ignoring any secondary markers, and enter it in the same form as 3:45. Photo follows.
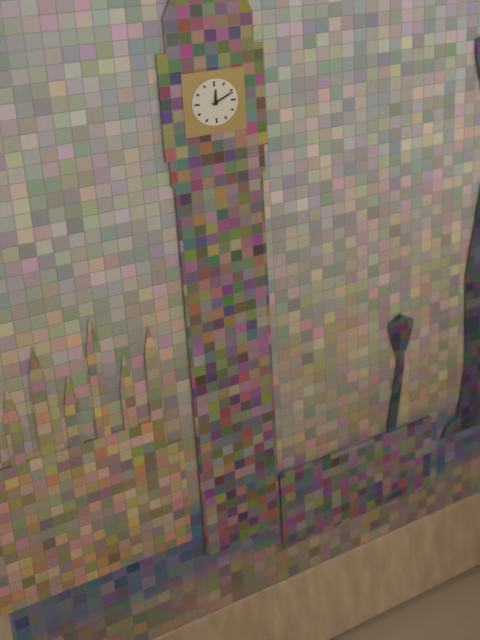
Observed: 12:11
